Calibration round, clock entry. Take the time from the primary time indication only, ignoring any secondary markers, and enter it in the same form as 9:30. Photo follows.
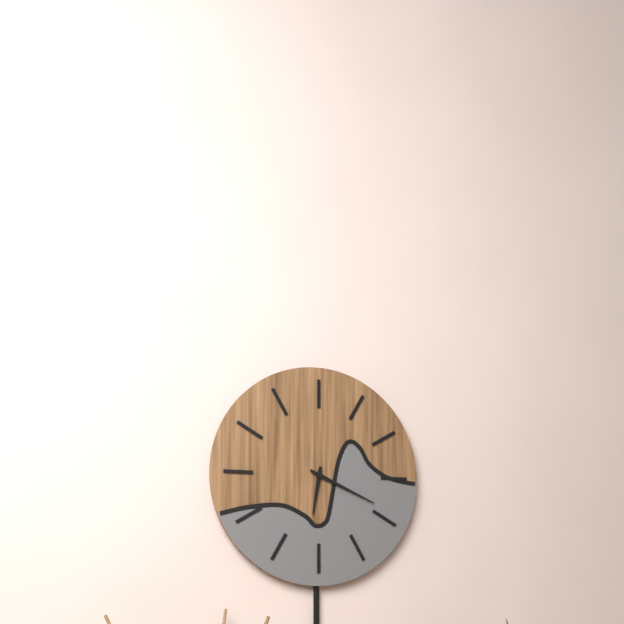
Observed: 6:19
